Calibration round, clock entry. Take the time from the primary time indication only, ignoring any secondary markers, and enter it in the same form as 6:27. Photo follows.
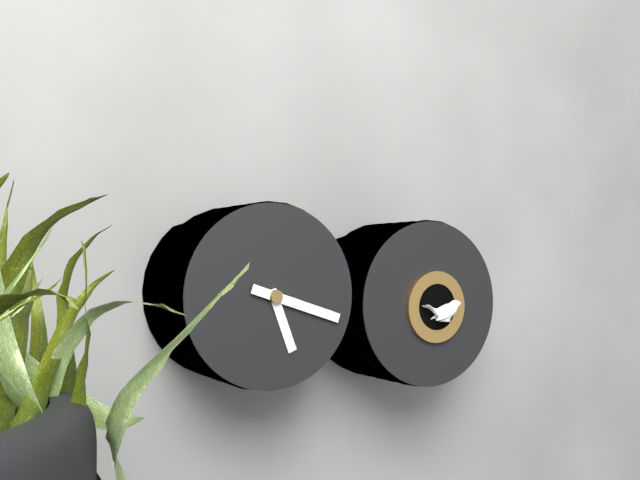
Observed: 5:18
